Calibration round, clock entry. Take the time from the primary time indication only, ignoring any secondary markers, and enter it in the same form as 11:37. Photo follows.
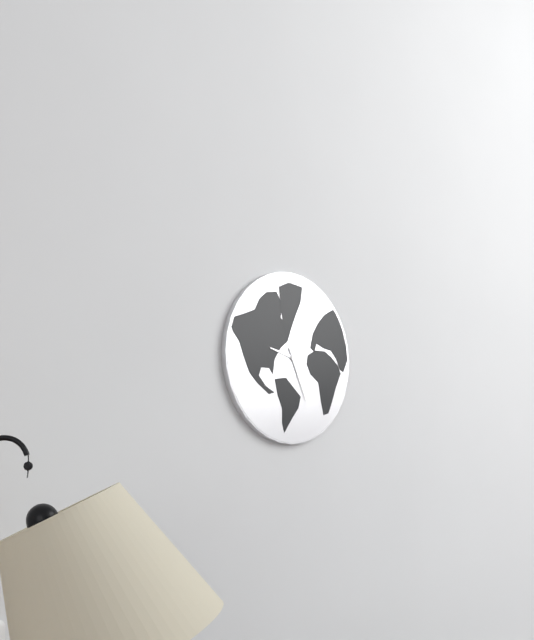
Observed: 9:26
